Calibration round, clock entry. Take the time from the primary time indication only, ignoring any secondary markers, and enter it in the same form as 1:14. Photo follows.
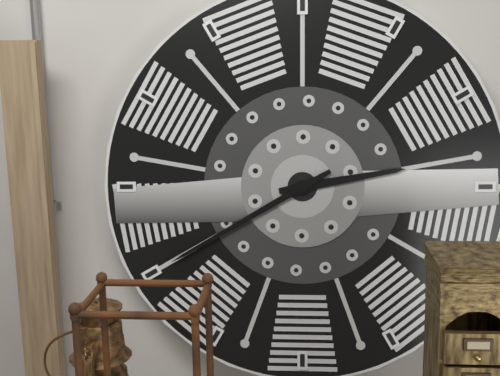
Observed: 2:40
